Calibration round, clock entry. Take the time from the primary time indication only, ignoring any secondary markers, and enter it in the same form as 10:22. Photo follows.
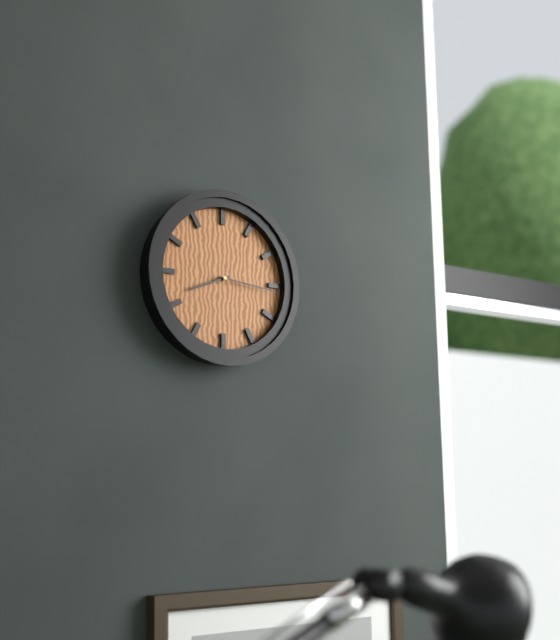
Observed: 8:16
